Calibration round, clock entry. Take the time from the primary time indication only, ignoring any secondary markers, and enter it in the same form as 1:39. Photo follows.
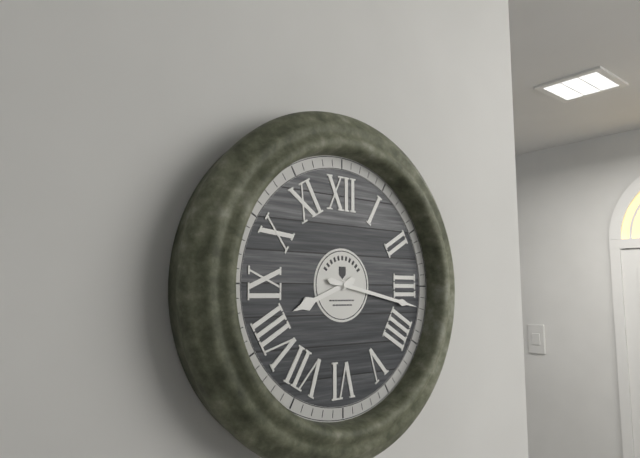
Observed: 8:17
